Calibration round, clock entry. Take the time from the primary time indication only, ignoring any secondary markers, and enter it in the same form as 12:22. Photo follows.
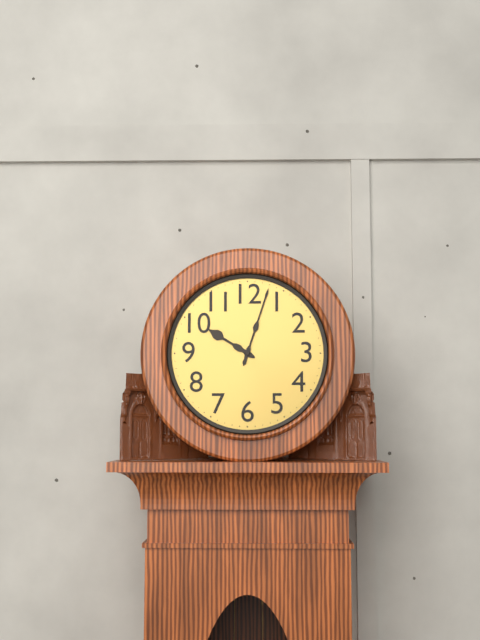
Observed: 10:03
